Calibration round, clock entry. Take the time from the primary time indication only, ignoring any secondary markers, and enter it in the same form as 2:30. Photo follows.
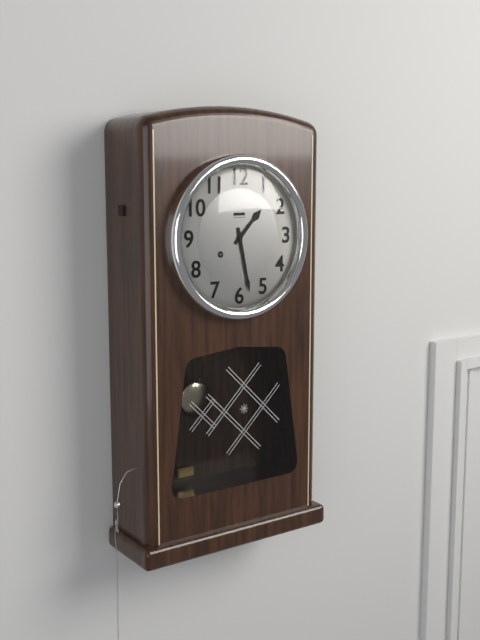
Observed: 1:28
